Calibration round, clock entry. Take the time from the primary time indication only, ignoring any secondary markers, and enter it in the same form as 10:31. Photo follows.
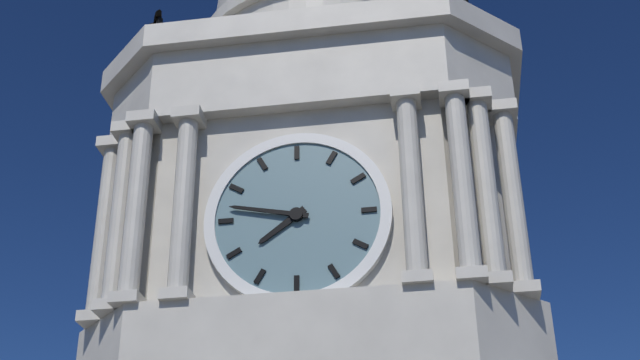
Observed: 7:47
